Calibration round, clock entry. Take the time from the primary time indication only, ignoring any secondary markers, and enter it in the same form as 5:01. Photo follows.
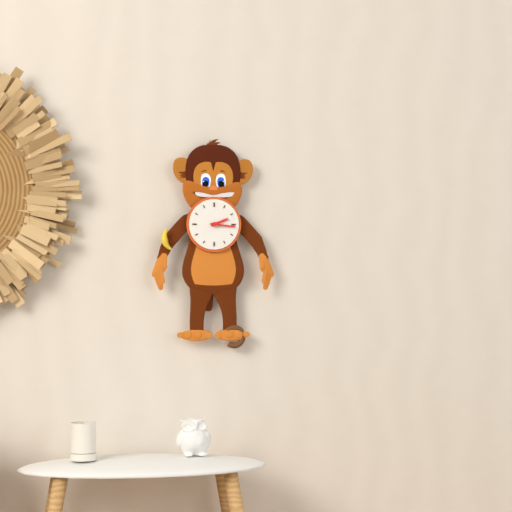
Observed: 2:16
